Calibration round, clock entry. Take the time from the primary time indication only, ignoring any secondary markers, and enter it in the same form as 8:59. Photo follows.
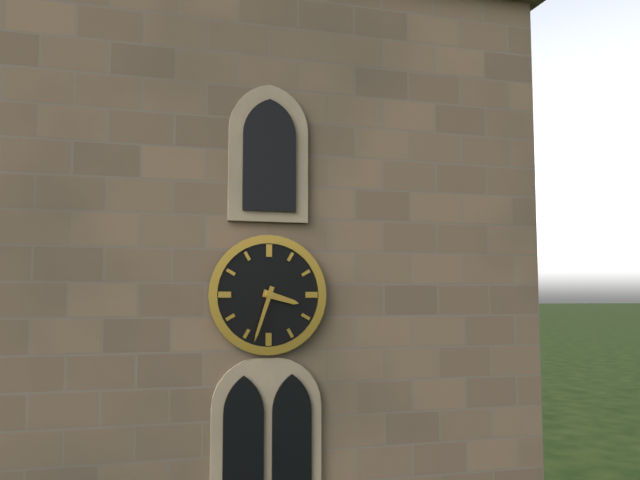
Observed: 3:33
